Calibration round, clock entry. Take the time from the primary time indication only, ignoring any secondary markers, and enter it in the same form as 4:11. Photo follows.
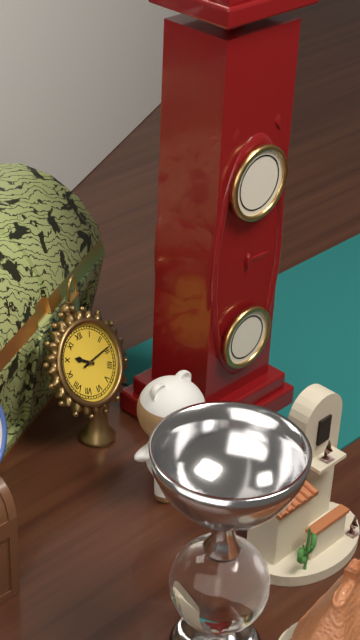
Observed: 10:14
